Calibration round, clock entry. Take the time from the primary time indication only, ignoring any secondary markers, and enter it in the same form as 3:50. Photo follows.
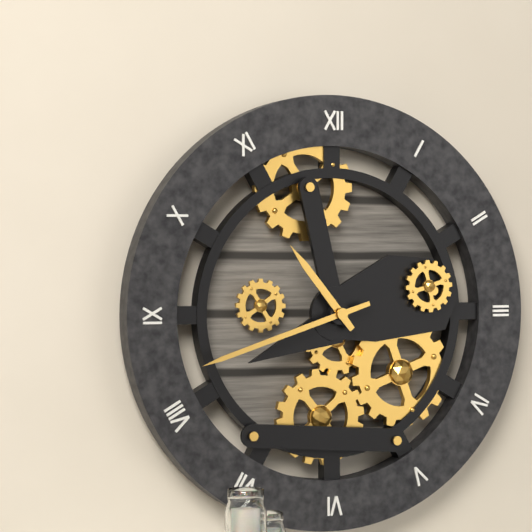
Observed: 10:42
